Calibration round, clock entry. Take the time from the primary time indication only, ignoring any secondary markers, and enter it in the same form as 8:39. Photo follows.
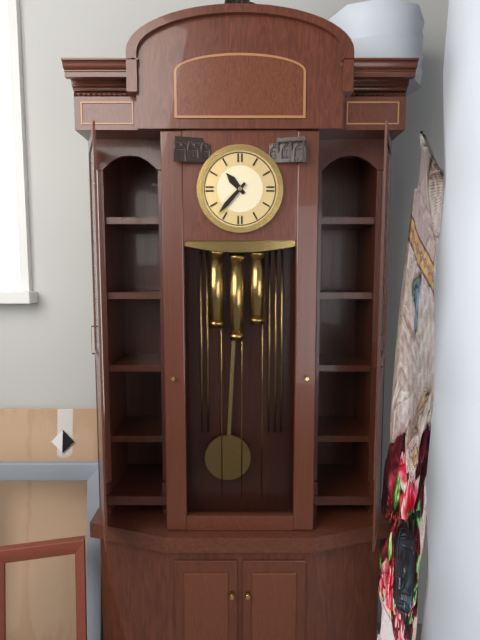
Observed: 10:37
